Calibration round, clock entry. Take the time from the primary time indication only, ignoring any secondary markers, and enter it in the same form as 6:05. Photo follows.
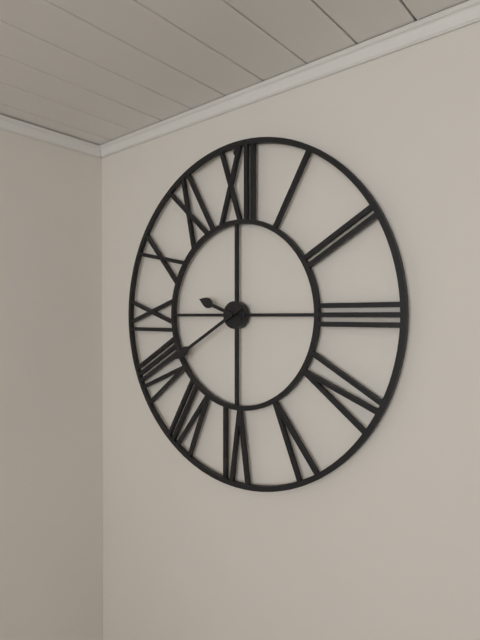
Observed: 9:40
